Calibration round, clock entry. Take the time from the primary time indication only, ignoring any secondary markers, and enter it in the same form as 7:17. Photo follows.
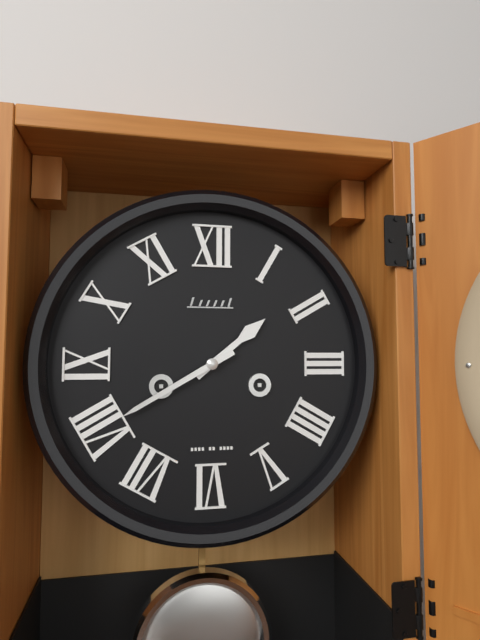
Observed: 1:40
